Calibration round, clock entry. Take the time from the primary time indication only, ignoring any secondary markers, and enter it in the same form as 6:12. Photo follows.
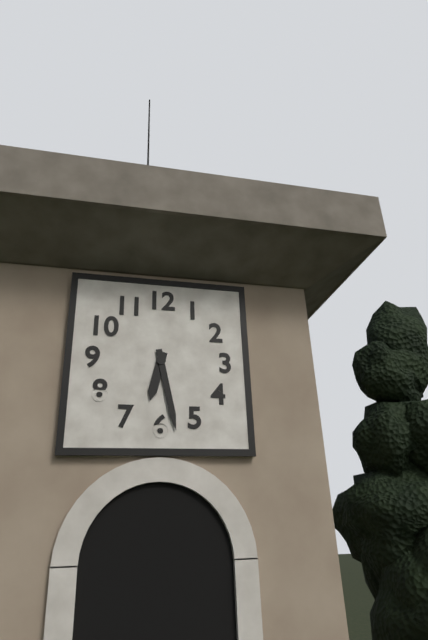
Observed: 6:28
